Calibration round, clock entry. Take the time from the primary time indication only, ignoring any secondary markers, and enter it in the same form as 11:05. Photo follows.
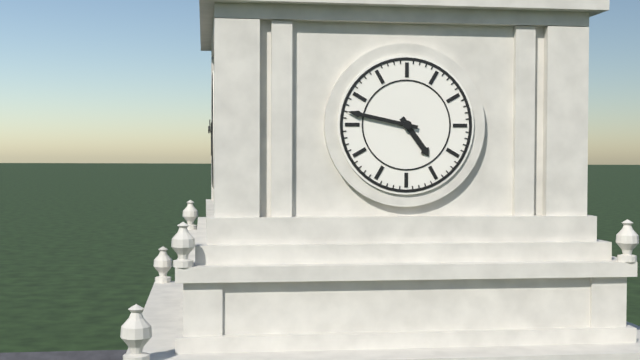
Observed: 4:47
